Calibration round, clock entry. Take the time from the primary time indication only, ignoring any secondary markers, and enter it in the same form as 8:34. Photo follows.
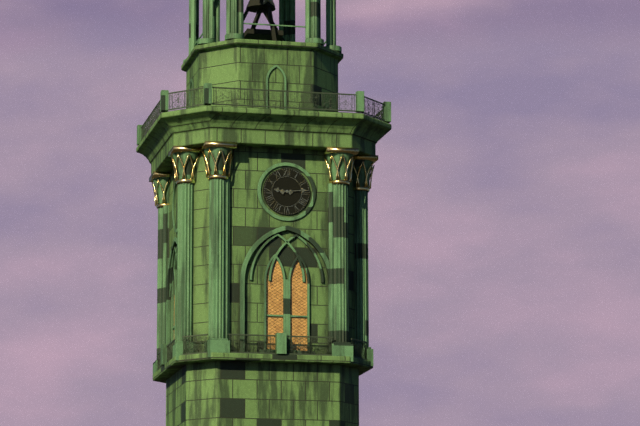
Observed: 9:14
